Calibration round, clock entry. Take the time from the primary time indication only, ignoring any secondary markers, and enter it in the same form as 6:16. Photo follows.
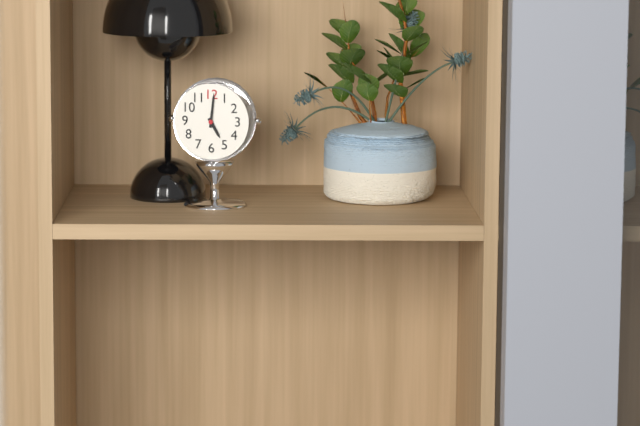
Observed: 5:01
